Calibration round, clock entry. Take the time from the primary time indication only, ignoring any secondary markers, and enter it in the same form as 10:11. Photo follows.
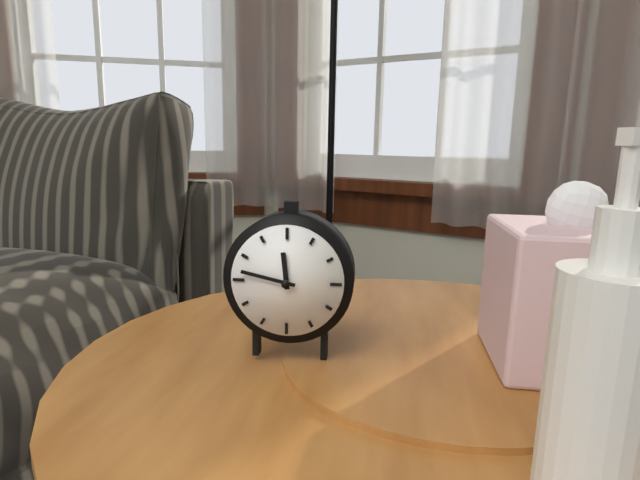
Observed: 11:47
